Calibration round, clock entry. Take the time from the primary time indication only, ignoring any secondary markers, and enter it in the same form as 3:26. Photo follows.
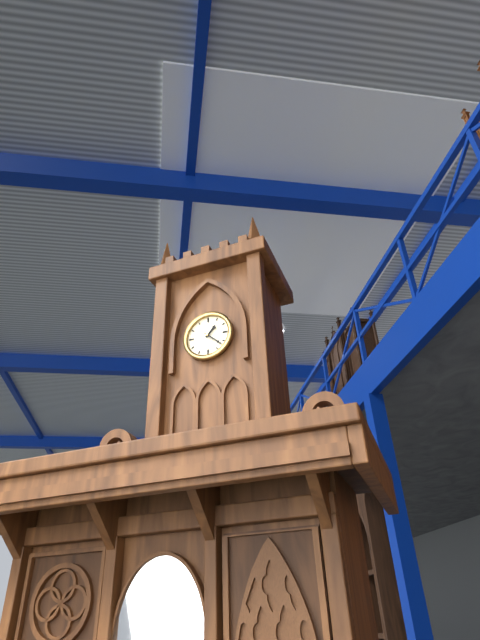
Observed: 1:22
